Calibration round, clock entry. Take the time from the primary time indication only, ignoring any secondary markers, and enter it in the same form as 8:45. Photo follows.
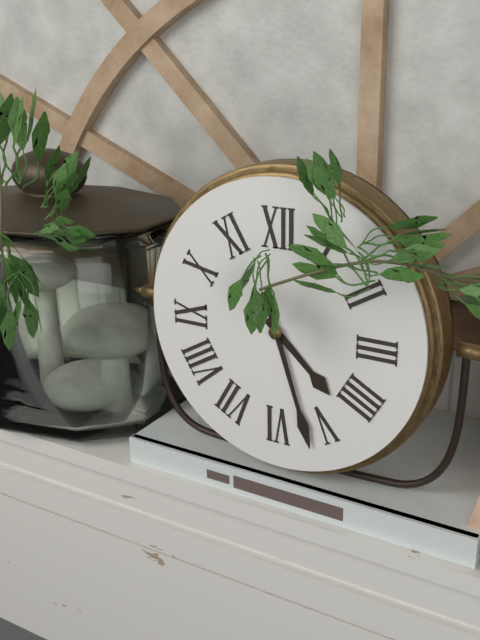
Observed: 4:27
